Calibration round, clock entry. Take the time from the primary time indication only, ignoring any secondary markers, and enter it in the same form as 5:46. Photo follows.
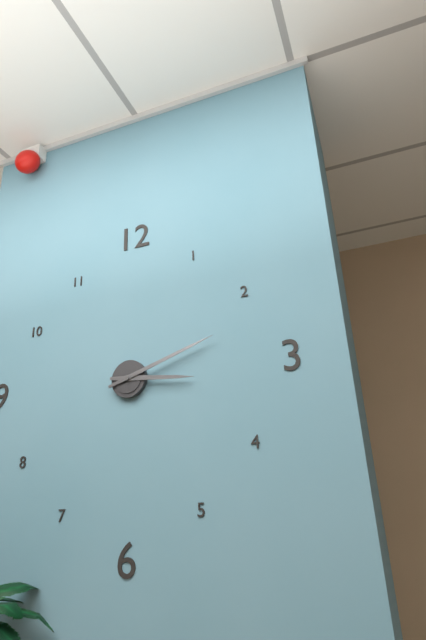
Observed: 3:12
